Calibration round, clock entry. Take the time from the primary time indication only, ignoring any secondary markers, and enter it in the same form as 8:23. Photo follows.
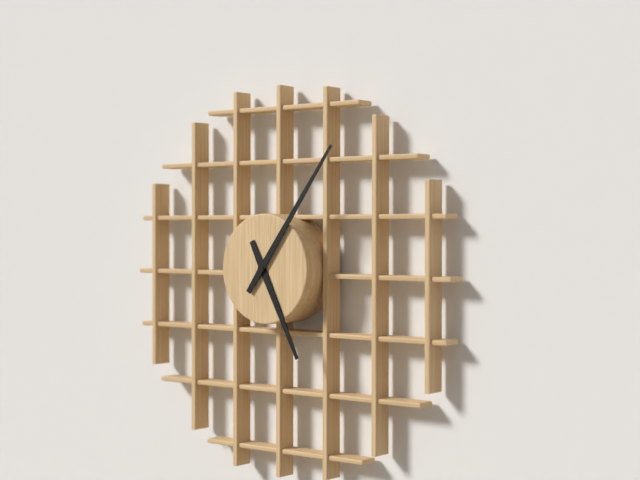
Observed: 5:06
